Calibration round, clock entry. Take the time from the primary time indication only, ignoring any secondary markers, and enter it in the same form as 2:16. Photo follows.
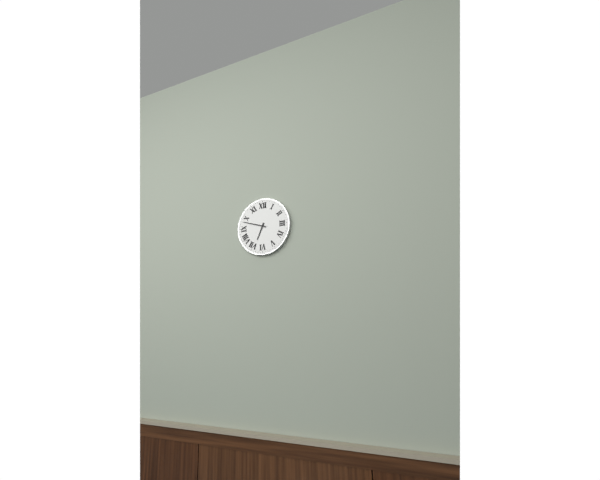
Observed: 6:48
